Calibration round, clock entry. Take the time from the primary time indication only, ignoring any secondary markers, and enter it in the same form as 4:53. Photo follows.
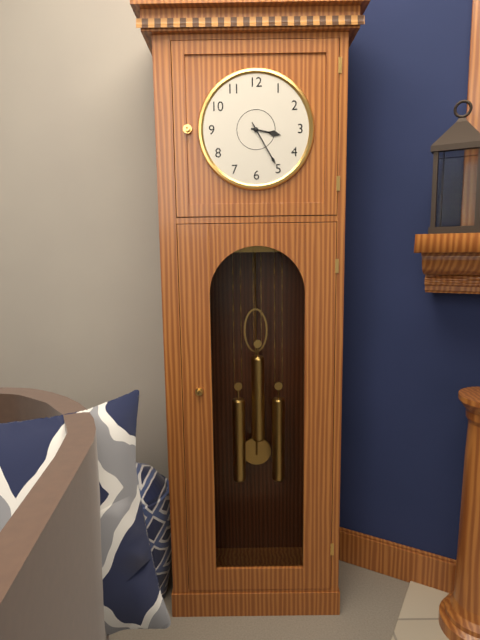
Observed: 3:25
